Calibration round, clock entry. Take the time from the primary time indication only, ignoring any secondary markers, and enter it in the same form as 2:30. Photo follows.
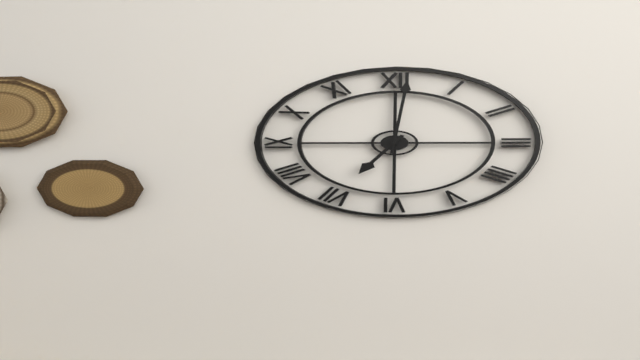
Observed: 7:01
